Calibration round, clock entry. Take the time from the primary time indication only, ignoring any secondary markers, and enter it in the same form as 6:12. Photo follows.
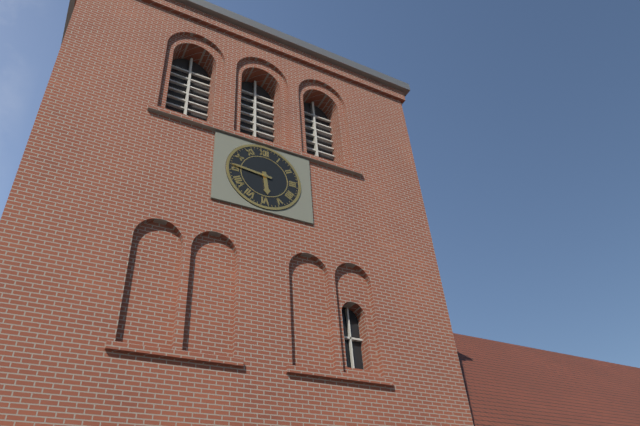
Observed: 5:46
